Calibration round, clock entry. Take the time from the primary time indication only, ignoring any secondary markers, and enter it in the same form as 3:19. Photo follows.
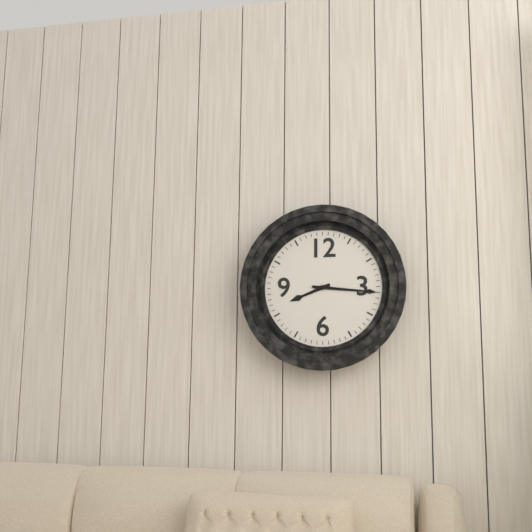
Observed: 8:16
